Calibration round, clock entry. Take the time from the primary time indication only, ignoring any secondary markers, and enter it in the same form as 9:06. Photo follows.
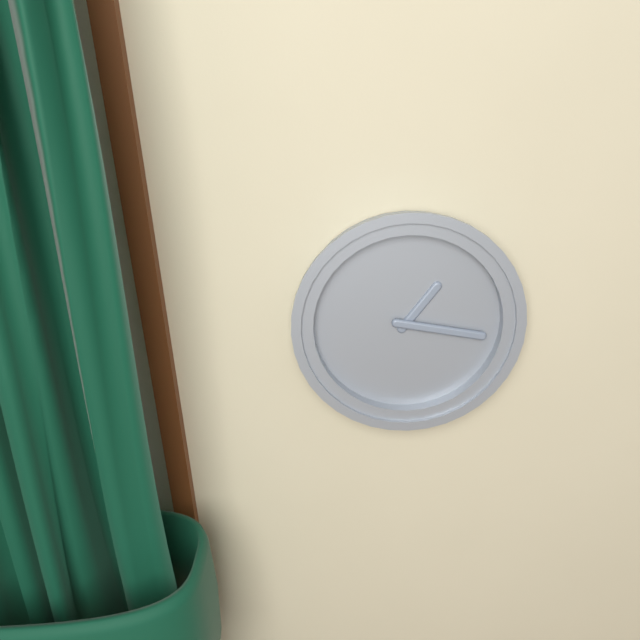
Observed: 1:17
